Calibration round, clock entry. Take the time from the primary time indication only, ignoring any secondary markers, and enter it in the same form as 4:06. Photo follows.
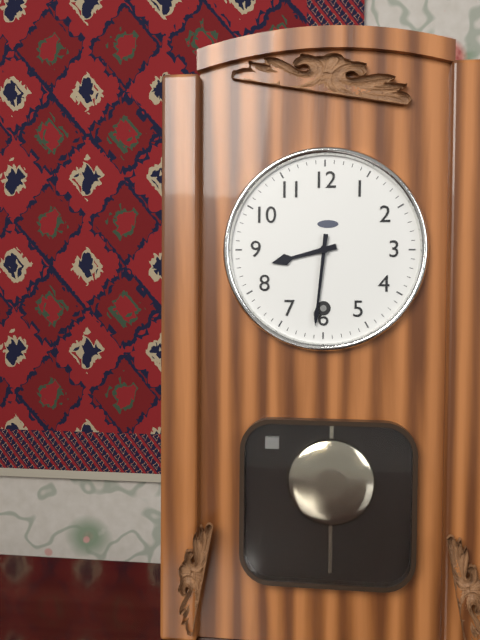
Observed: 8:31
